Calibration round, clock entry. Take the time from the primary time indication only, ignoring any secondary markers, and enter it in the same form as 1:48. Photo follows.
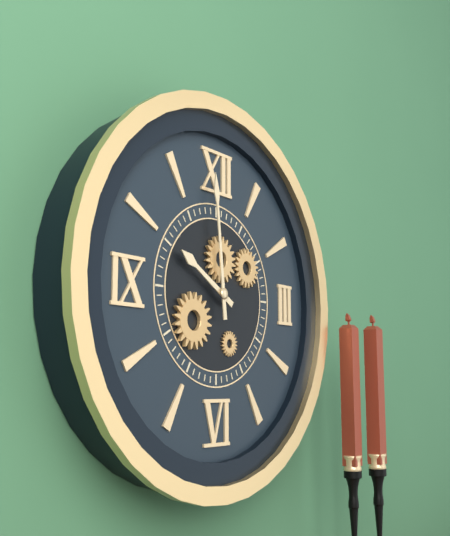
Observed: 9:59
